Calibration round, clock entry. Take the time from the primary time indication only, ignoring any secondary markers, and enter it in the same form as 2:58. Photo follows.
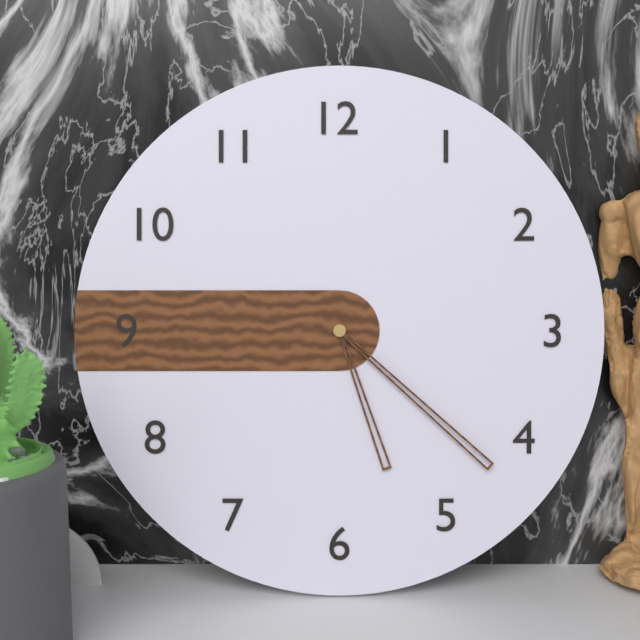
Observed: 5:22
